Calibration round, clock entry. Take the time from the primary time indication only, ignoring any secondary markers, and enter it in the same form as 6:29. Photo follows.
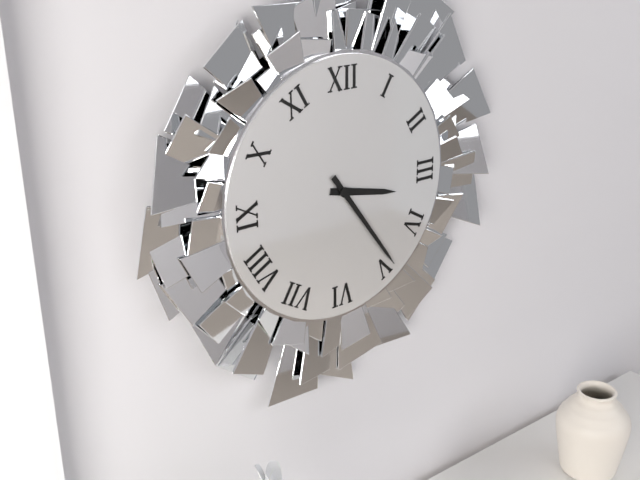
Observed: 3:24
